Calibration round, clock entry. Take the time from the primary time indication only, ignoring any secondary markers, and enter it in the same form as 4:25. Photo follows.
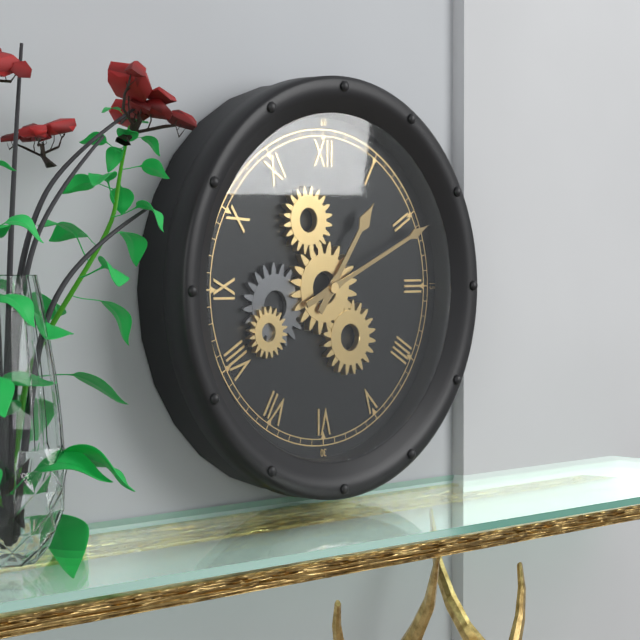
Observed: 1:11
